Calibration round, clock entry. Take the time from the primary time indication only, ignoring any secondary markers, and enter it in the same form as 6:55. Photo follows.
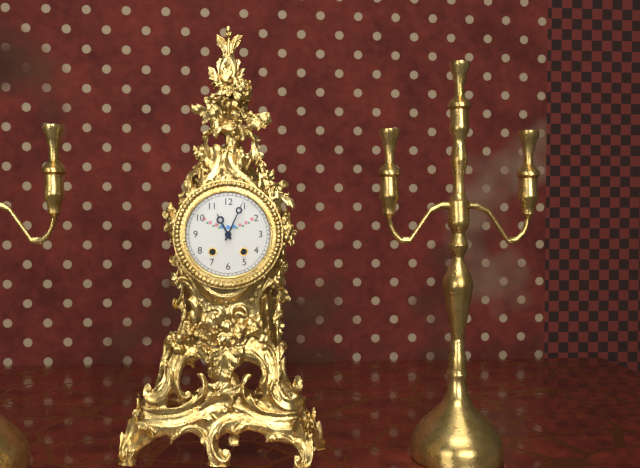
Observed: 11:04
